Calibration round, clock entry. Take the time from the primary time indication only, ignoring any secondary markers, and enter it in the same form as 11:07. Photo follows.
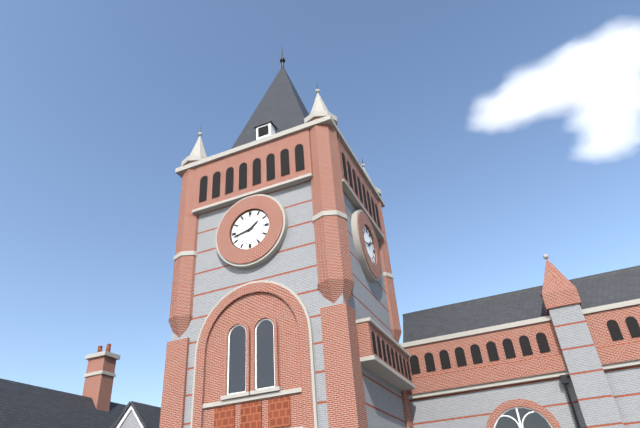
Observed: 1:43
